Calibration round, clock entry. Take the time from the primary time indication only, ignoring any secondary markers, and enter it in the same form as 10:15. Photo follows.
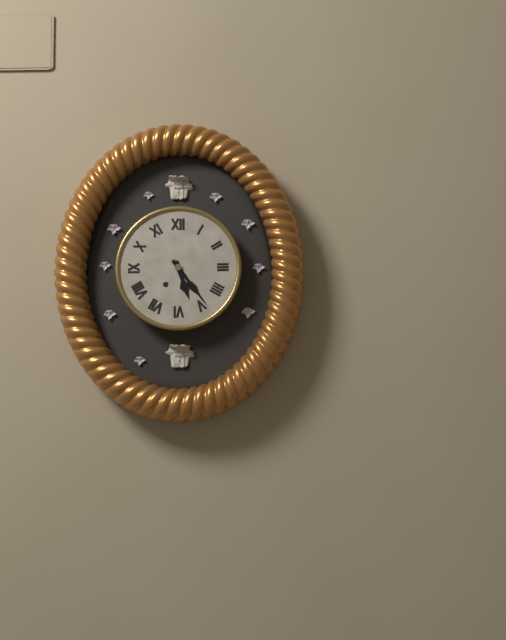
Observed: 5:24
